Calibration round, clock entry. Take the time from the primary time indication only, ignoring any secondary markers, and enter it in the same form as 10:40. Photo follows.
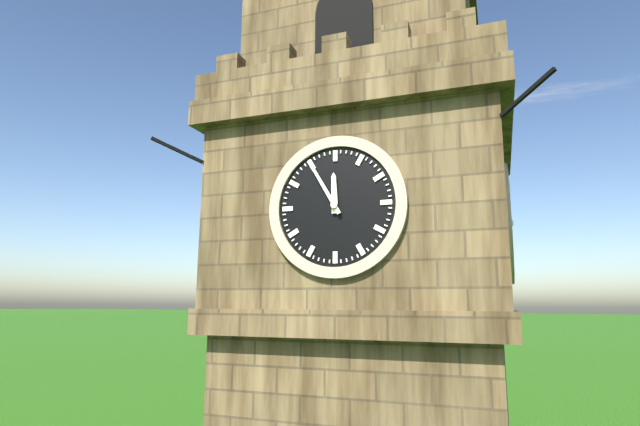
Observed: 11:55
